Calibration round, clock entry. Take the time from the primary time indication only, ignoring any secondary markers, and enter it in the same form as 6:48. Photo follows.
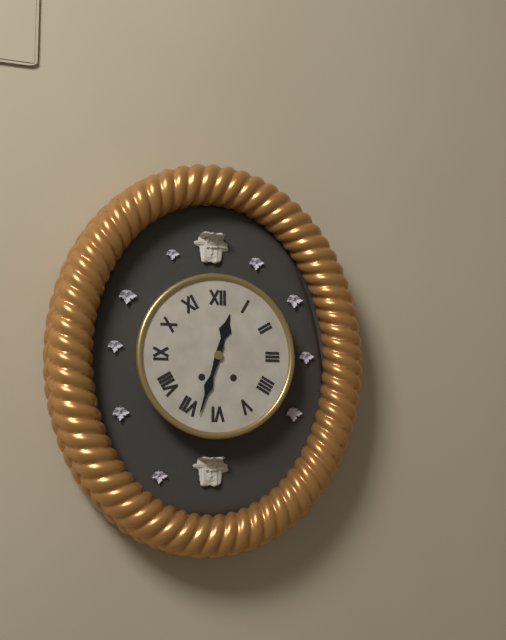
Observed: 12:33
